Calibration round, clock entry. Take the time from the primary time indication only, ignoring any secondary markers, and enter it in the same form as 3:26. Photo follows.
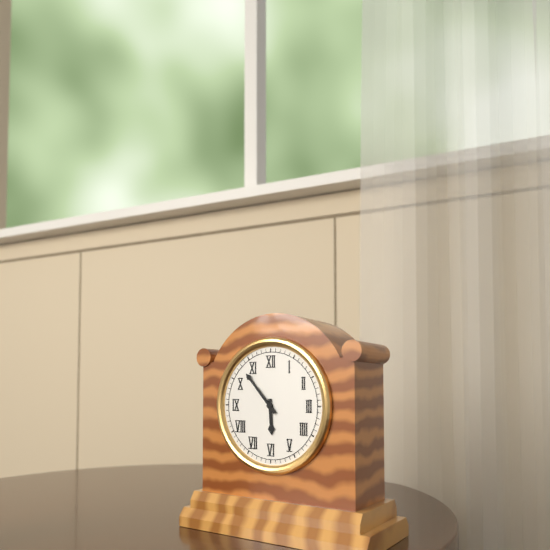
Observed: 5:53
